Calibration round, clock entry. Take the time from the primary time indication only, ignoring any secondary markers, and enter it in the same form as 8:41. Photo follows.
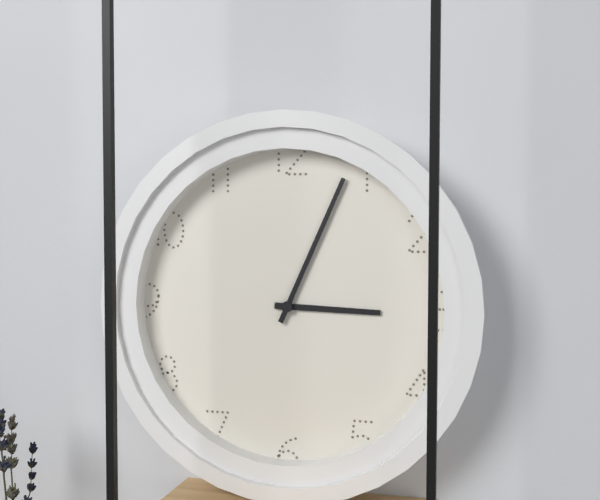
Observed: 3:04
